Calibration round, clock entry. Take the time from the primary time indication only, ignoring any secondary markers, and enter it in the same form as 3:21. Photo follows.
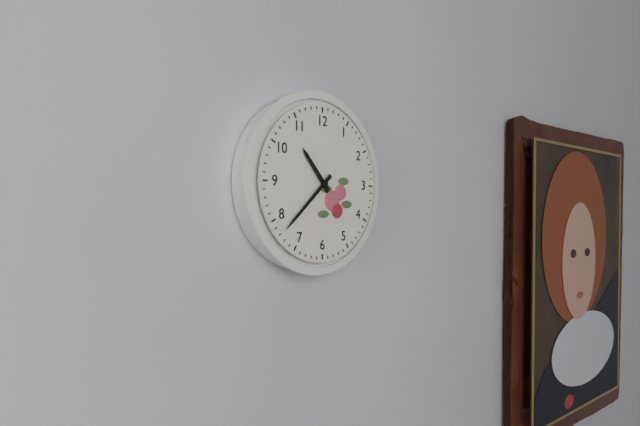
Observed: 10:38
